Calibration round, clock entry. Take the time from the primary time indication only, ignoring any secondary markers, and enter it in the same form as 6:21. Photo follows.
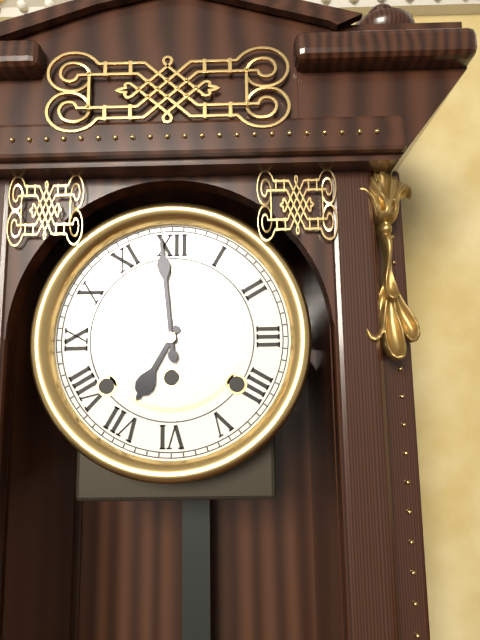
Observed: 6:59
